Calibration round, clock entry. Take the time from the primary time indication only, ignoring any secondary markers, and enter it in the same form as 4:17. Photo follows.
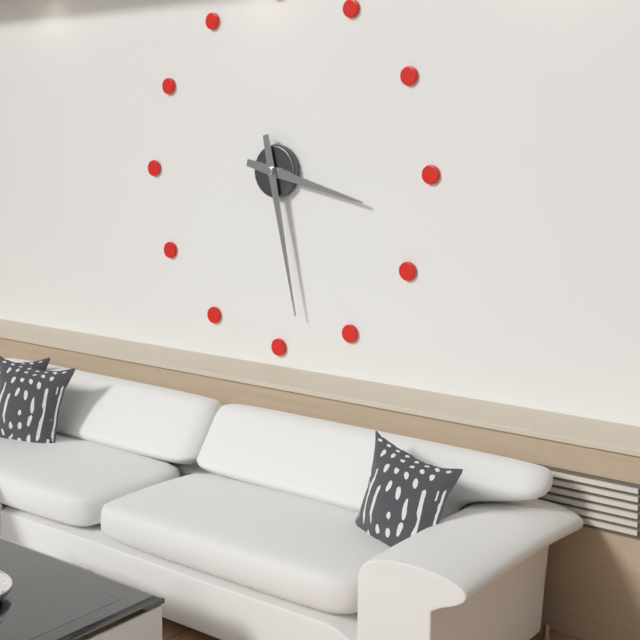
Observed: 3:28
